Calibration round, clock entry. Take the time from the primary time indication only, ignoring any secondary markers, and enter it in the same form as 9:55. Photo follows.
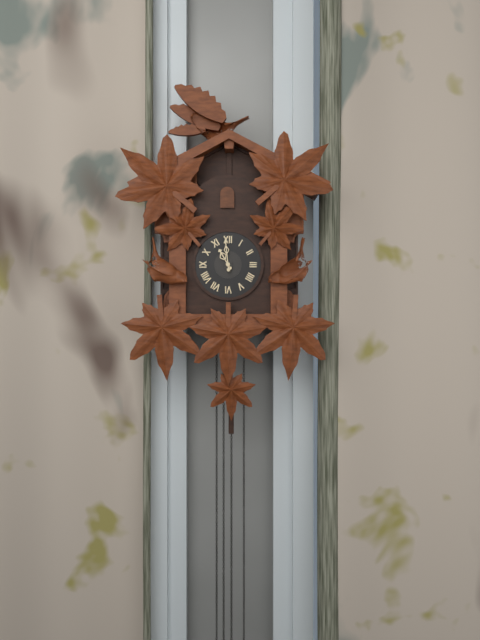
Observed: 10:59
